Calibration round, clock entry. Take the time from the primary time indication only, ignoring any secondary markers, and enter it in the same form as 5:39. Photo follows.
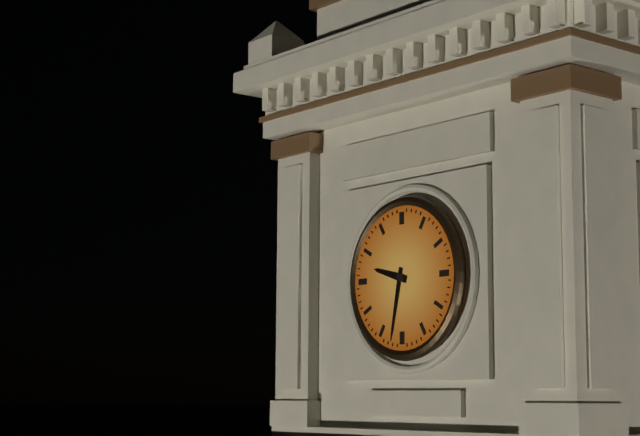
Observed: 9:32
